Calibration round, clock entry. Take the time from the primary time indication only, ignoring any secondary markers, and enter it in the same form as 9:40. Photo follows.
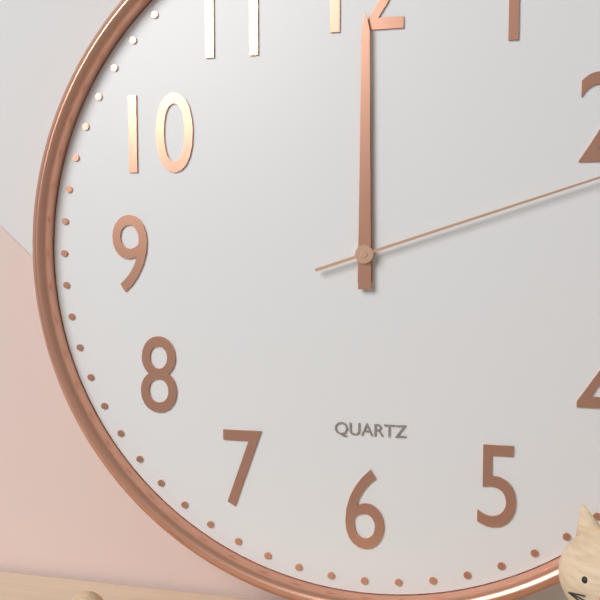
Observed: 12:00
